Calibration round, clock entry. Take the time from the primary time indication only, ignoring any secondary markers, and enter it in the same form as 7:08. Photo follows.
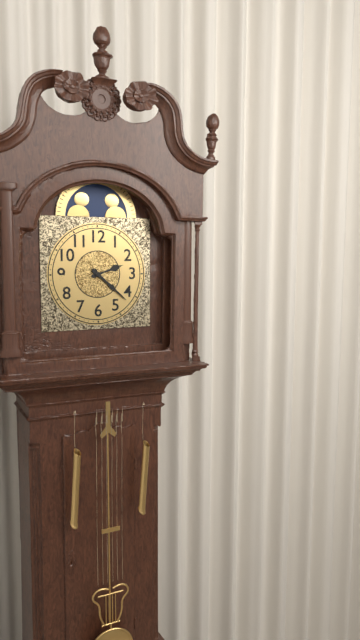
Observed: 2:22
